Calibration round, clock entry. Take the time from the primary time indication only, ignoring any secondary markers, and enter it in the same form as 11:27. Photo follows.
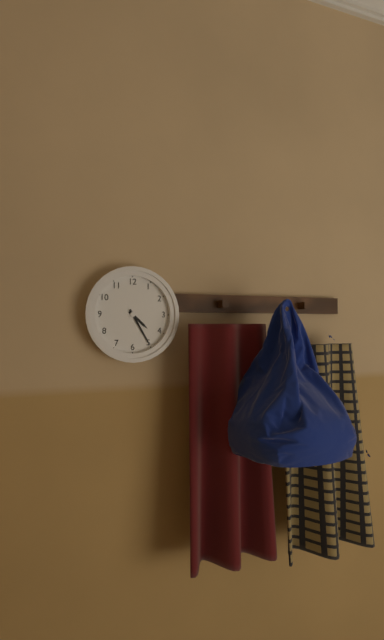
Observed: 4:25
